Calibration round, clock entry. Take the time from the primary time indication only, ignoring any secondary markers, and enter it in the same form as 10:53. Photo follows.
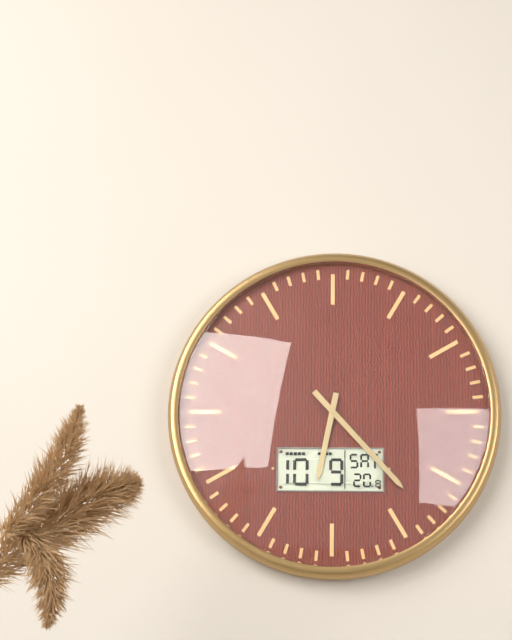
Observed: 6:23
